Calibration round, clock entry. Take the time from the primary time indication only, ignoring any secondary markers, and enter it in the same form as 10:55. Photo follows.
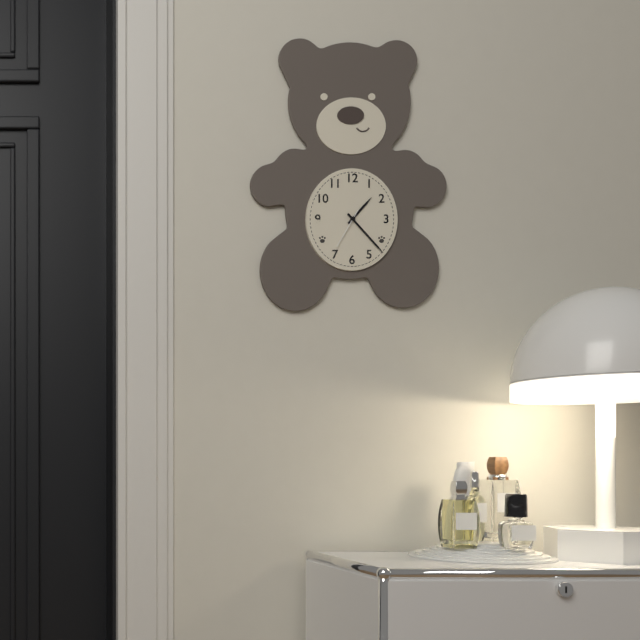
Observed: 1:23
